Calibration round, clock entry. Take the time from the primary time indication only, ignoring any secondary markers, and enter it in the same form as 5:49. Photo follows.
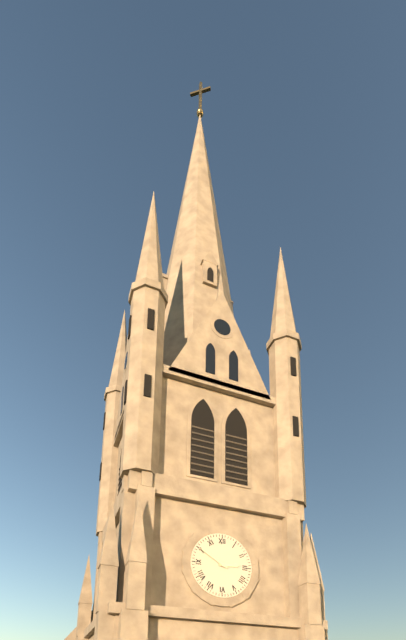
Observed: 2:50
